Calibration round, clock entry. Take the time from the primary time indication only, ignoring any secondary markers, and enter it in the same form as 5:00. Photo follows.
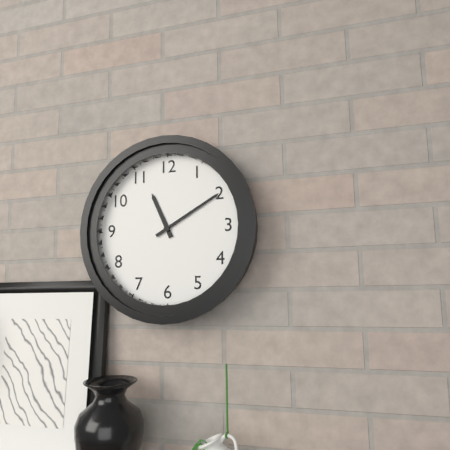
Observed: 11:10
